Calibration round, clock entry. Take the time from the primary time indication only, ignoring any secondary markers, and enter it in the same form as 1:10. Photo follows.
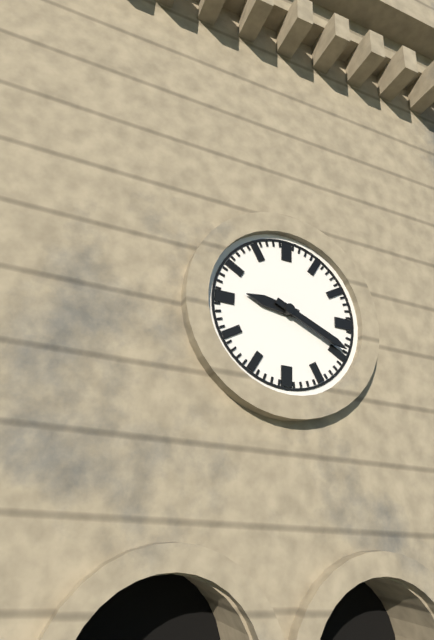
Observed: 9:19
